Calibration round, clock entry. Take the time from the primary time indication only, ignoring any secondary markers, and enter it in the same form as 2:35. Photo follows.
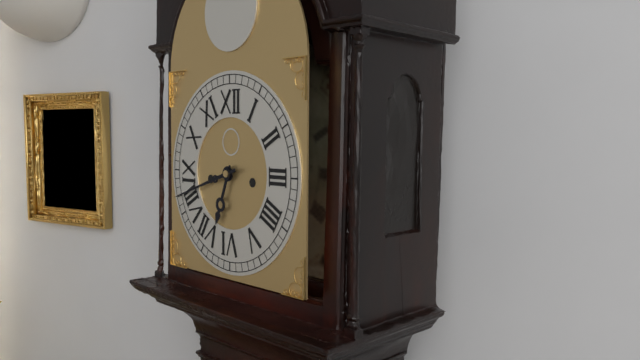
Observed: 6:42
